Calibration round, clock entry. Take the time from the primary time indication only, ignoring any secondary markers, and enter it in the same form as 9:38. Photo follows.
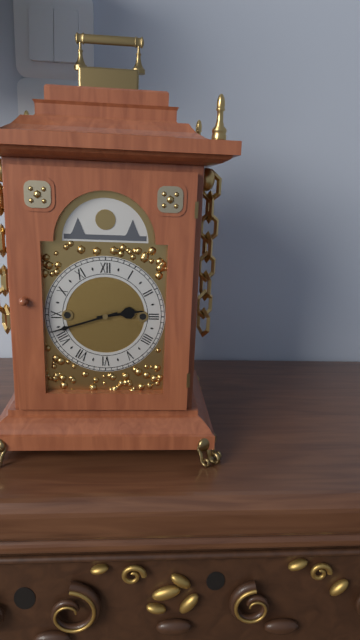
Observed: 2:42
